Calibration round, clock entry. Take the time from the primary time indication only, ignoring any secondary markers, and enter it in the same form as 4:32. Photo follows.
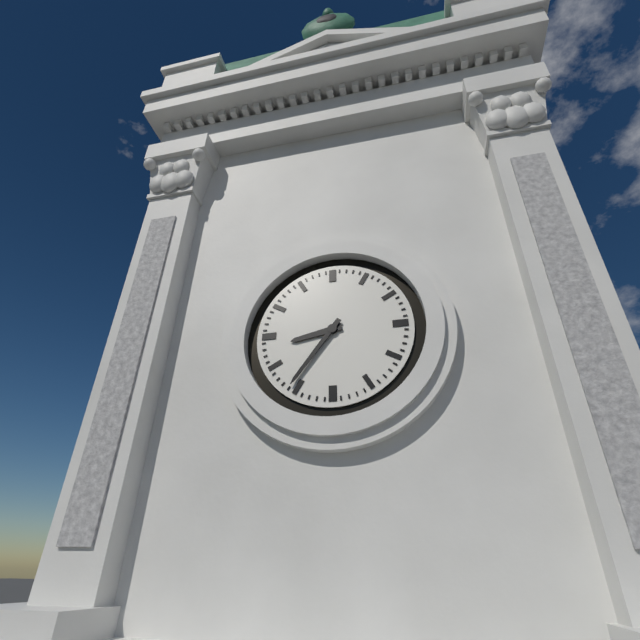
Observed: 8:36
